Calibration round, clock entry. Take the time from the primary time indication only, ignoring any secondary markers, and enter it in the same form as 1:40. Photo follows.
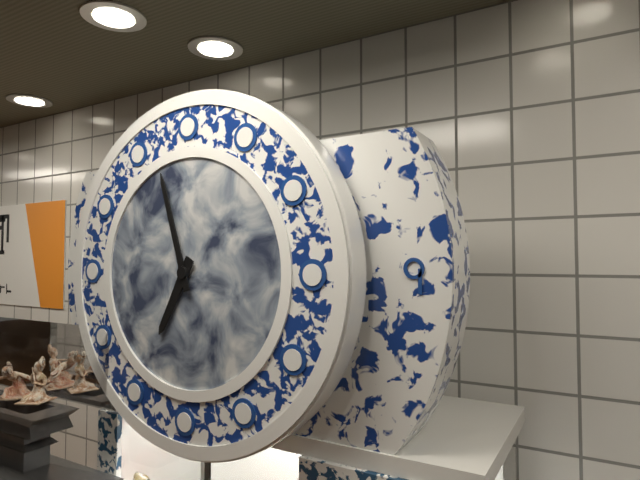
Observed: 6:57
